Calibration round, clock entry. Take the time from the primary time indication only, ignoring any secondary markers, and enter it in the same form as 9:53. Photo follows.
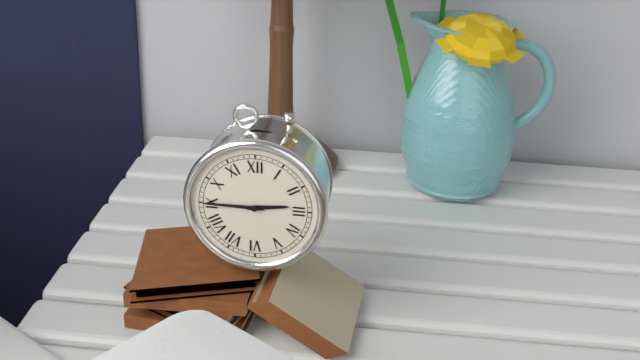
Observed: 2:45
